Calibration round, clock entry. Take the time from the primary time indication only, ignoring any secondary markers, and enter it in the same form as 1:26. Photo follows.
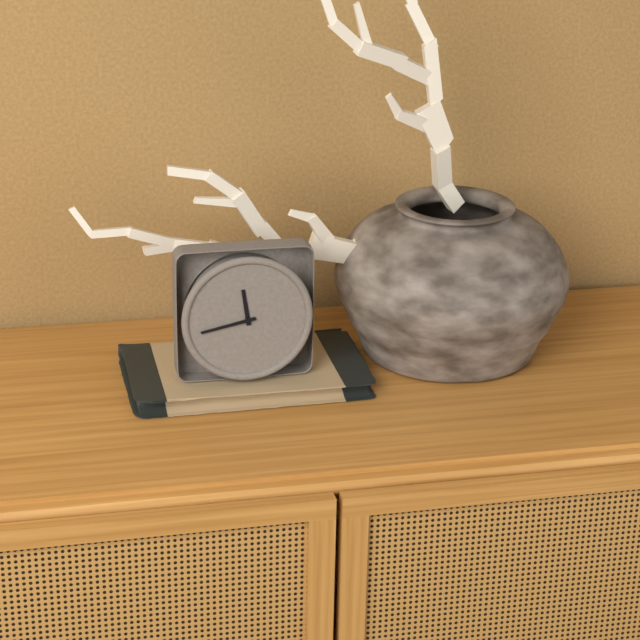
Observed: 11:43
